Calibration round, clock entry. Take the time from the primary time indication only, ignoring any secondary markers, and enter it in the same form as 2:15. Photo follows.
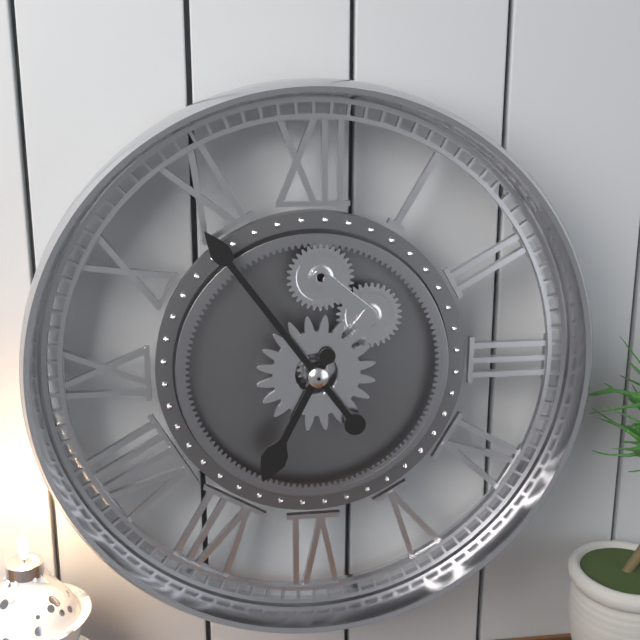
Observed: 6:54
